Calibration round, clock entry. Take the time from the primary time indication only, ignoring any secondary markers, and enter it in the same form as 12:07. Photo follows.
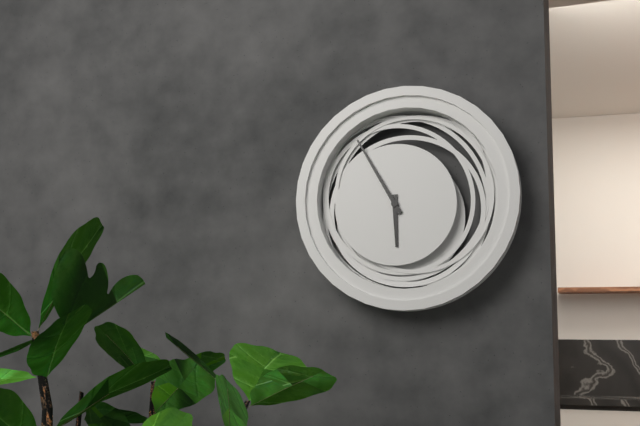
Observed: 5:55
